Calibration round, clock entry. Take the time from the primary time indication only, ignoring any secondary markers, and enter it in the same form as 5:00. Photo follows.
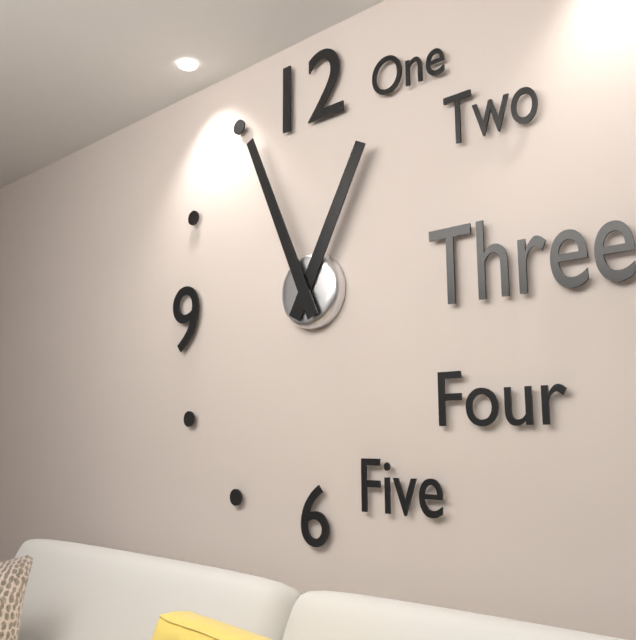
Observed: 12:56
